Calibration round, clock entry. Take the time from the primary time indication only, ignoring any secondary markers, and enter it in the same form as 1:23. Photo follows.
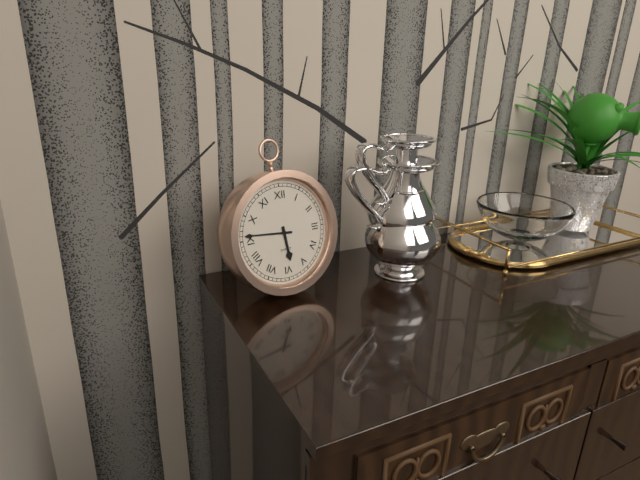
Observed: 5:46
